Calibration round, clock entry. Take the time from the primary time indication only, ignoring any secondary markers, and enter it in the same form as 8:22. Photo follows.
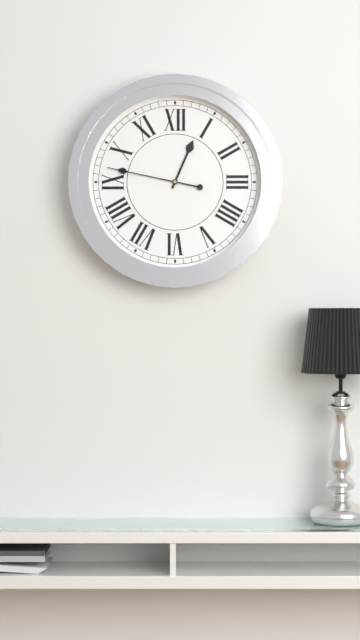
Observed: 12:47
